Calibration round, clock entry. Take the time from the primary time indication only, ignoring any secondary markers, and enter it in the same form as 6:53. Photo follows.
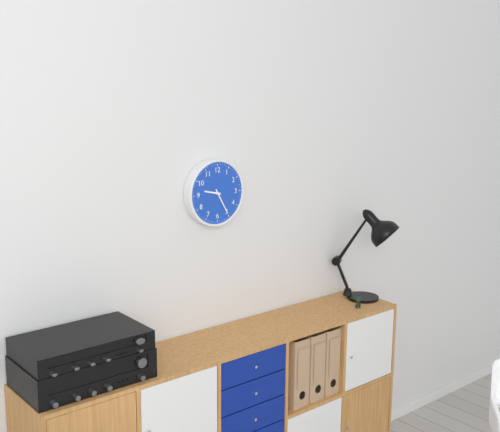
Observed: 9:25
